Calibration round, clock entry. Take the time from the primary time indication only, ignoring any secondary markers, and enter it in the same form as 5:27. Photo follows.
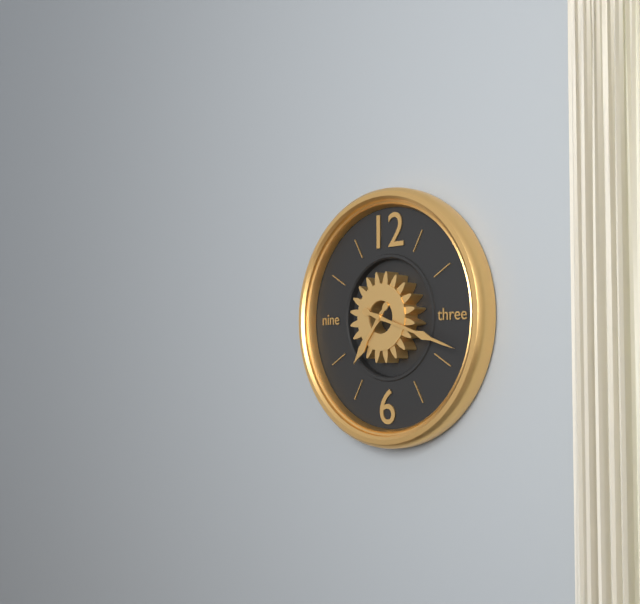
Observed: 7:18
